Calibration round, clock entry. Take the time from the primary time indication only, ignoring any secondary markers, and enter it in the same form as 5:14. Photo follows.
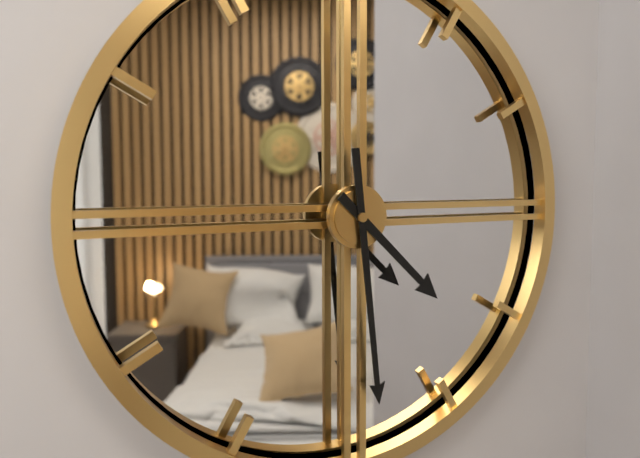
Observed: 4:29
